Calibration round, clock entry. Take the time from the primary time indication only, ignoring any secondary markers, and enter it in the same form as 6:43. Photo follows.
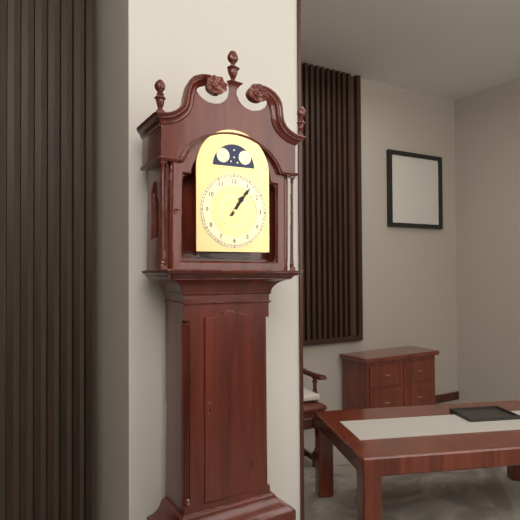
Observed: 1:06
